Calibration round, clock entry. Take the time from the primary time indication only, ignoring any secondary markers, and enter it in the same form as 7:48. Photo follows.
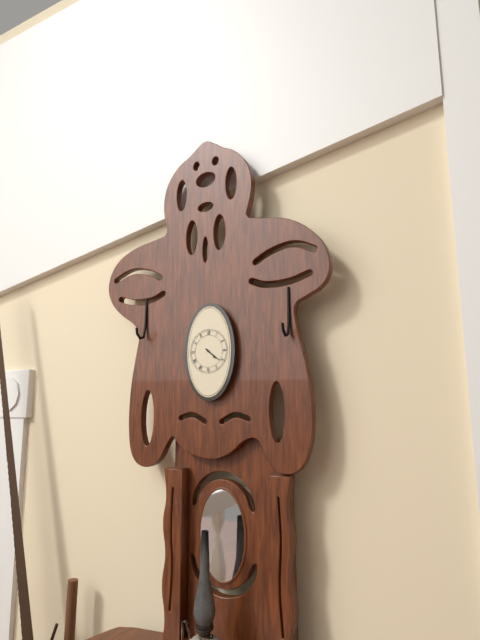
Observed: 4:21
